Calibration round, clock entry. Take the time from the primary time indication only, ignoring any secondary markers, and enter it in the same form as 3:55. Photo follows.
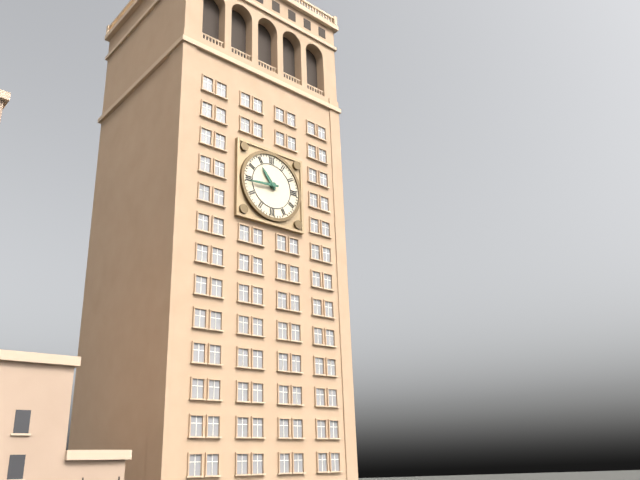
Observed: 10:44
